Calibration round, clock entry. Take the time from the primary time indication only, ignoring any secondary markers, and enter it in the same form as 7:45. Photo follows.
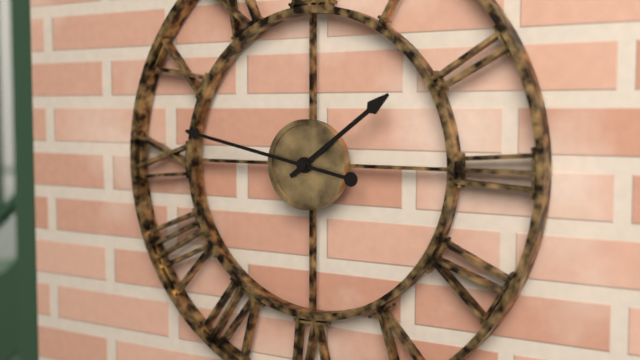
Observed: 1:47
